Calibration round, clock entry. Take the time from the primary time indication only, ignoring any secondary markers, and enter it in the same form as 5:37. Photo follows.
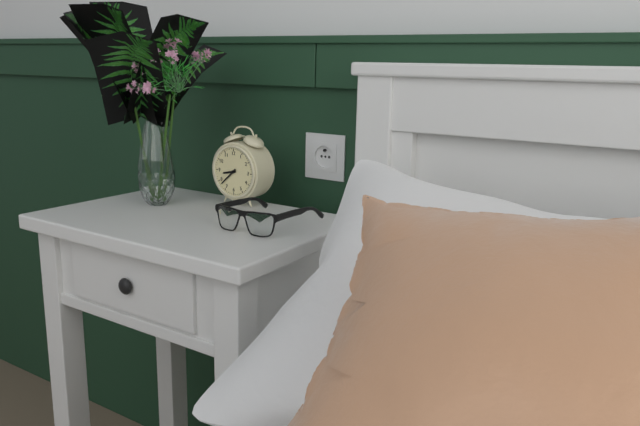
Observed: 8:38
